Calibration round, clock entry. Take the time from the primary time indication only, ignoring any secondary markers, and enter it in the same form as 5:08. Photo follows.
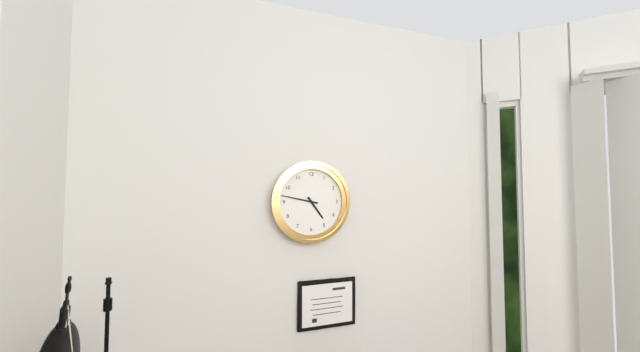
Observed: 4:47
